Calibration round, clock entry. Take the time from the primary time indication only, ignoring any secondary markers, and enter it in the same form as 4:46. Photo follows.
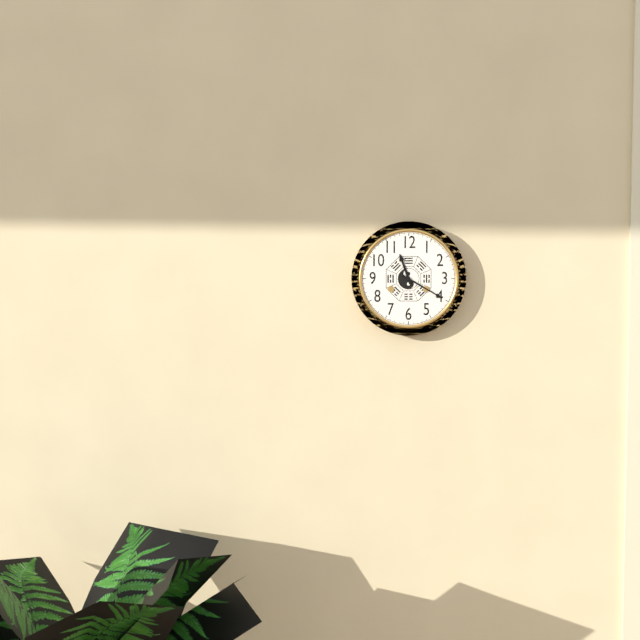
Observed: 11:20
